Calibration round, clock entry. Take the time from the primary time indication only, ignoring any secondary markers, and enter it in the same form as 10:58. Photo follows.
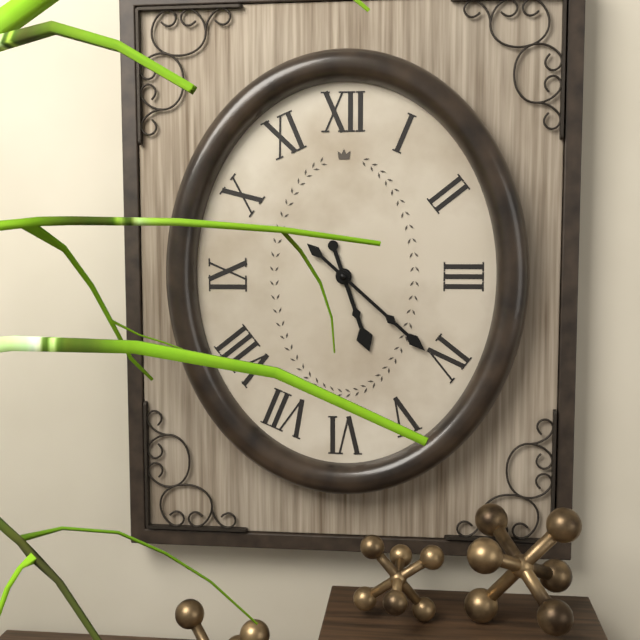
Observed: 5:22
